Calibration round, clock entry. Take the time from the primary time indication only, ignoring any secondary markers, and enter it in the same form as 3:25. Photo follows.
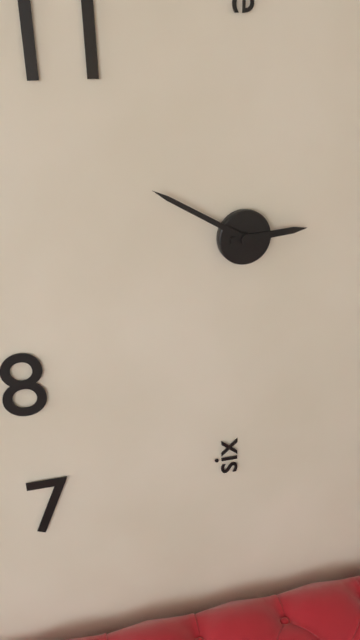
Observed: 2:50
